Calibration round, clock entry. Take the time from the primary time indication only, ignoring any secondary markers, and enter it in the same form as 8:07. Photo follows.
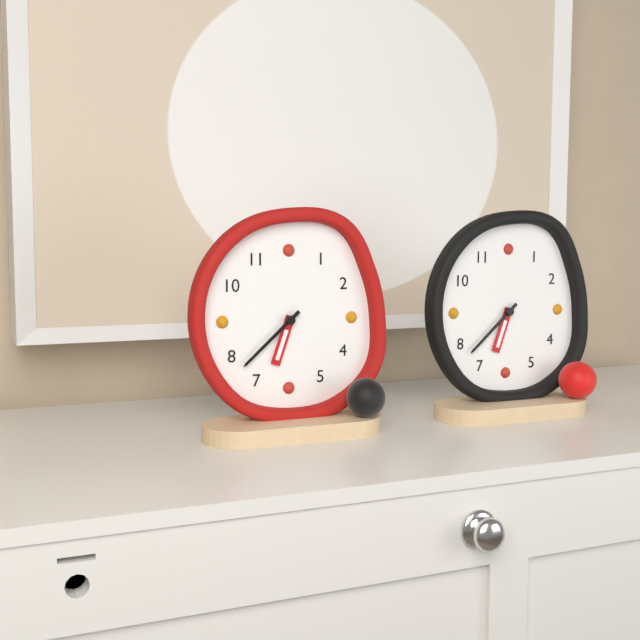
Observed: 6:38
